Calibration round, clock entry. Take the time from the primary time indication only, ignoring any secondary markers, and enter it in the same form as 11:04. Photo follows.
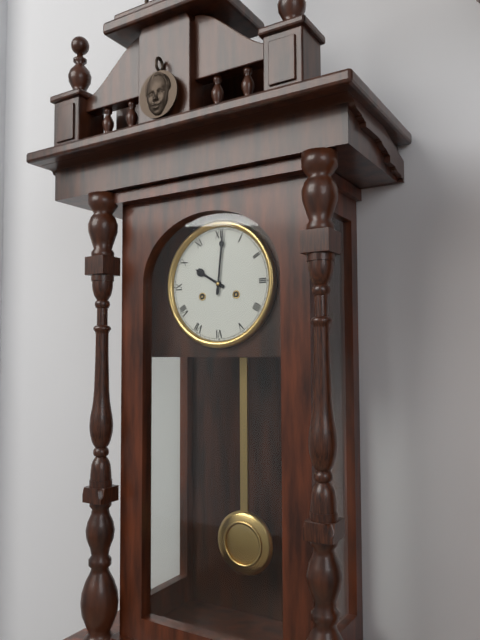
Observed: 10:01
